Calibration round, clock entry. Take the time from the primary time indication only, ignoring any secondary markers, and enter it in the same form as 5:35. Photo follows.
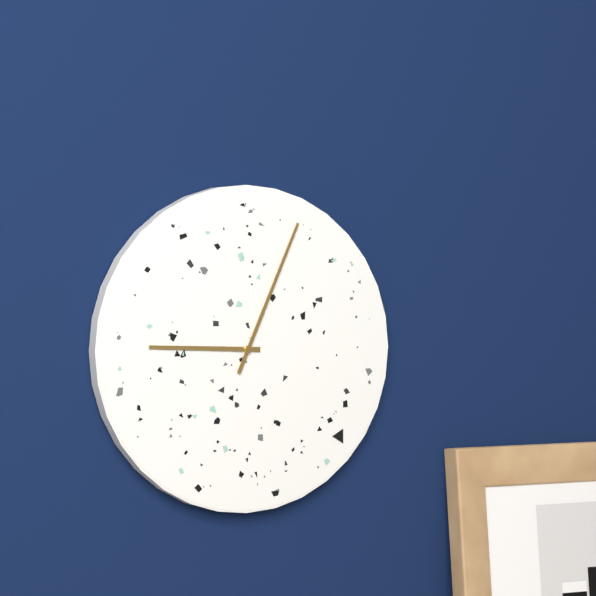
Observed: 9:04
